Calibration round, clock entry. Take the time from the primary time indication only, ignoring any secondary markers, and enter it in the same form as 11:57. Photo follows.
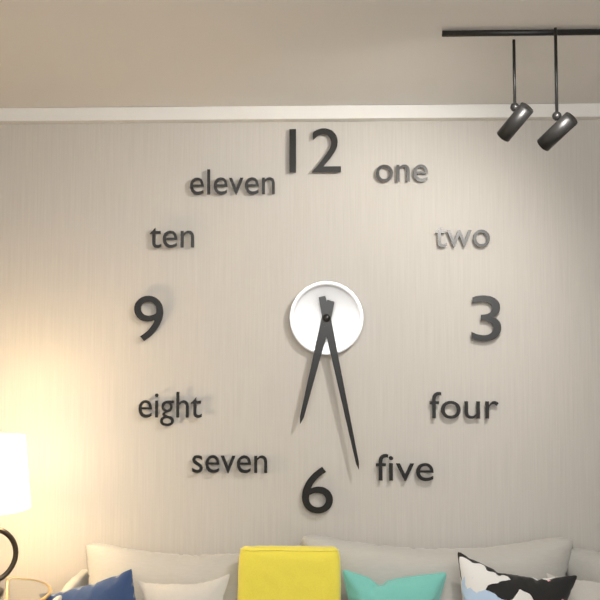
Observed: 6:28
